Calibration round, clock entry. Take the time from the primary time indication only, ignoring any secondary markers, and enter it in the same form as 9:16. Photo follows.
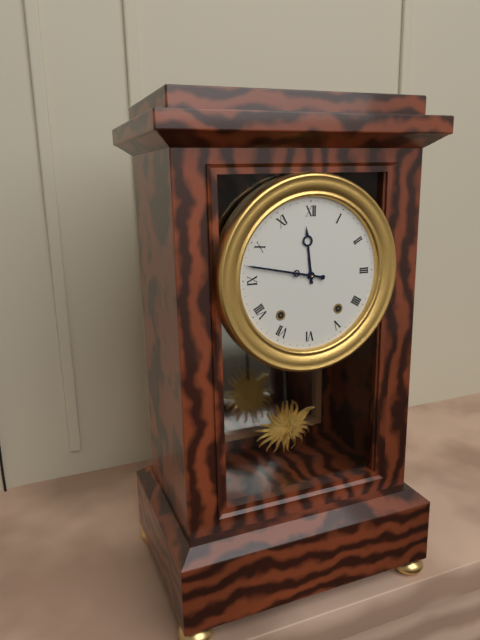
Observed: 11:47
